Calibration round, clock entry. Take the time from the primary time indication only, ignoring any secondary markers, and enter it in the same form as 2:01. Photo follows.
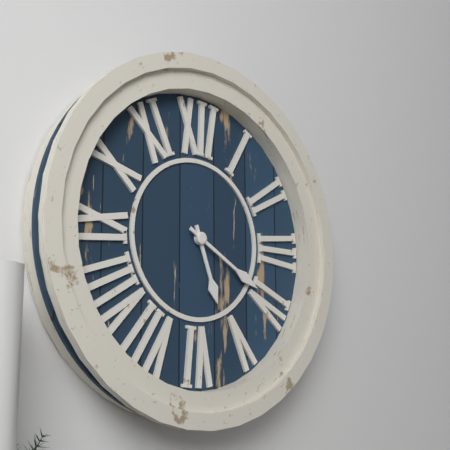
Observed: 5:20
